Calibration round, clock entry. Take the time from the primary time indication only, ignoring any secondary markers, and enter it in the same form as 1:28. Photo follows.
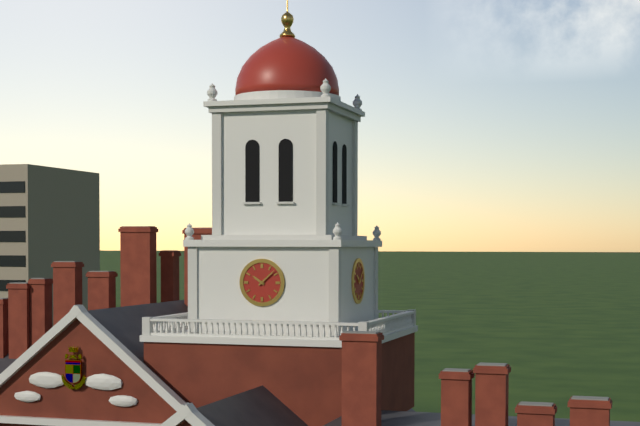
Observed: 10:08
